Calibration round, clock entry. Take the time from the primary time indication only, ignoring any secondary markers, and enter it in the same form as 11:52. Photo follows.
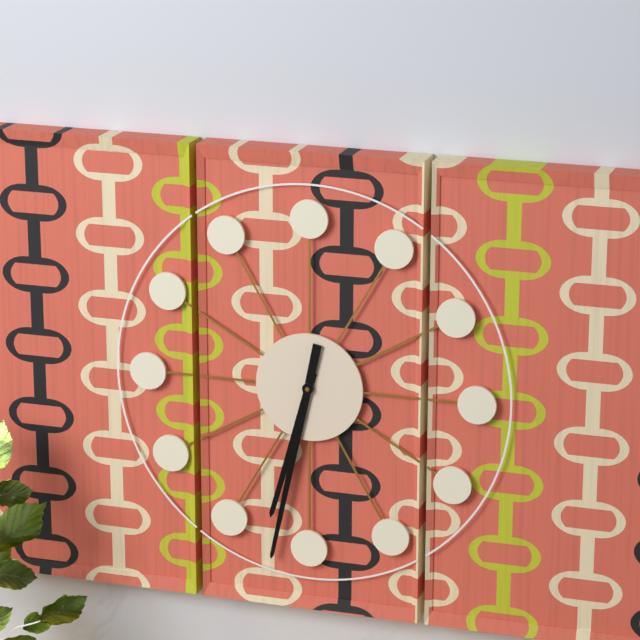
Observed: 6:32
